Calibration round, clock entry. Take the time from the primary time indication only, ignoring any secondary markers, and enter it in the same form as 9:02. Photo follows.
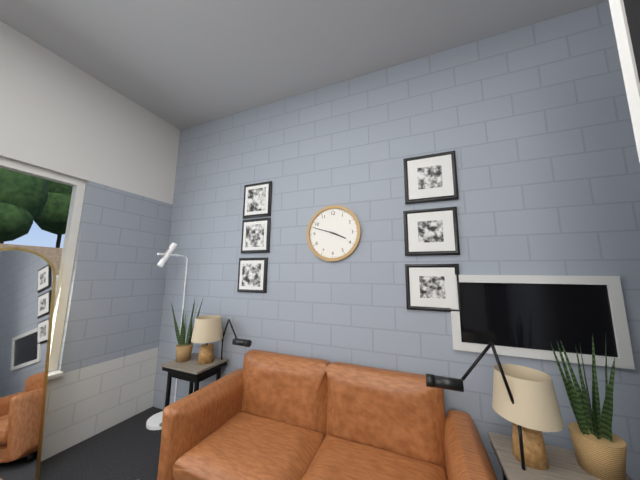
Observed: 3:48
